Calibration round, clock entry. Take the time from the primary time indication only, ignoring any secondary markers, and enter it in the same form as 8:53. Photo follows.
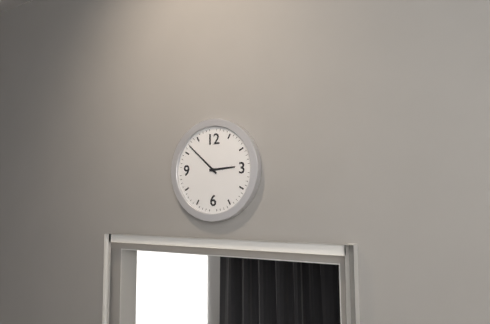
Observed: 2:52
